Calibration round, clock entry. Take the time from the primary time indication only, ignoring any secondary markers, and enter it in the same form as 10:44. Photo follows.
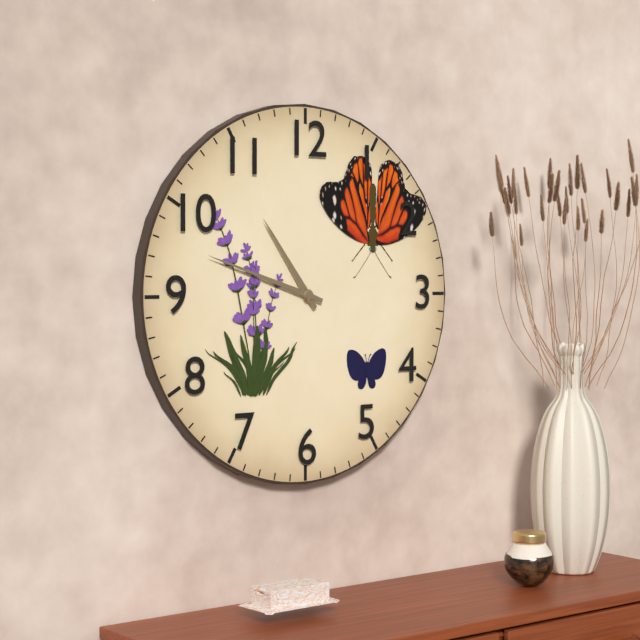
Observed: 10:48
